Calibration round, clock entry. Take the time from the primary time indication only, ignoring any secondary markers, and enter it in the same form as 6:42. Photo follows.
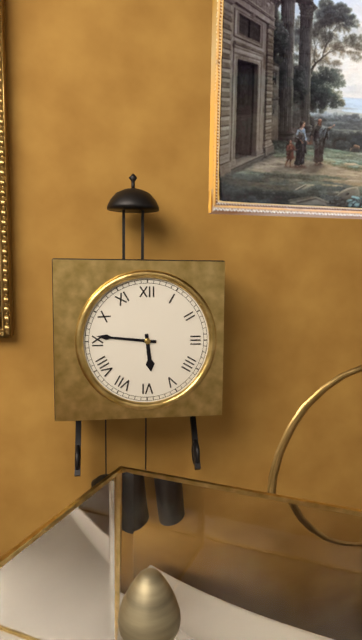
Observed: 5:46
